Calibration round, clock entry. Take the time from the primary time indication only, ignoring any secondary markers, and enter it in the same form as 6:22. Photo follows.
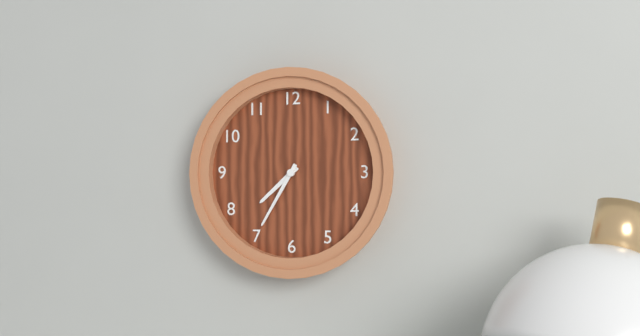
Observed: 7:35
